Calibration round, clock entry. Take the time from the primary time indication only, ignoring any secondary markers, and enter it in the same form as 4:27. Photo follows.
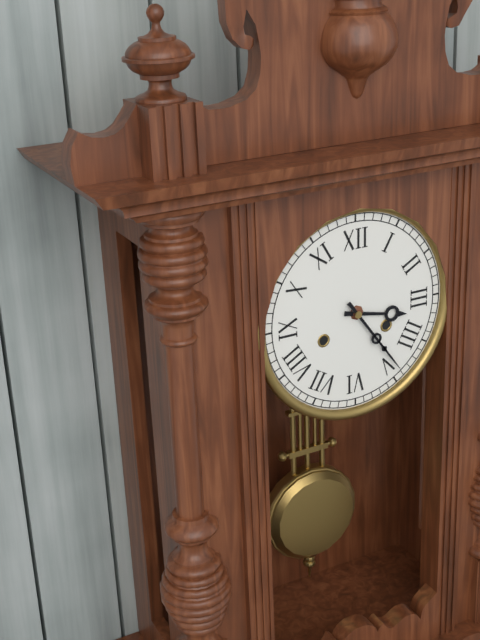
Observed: 3:24
